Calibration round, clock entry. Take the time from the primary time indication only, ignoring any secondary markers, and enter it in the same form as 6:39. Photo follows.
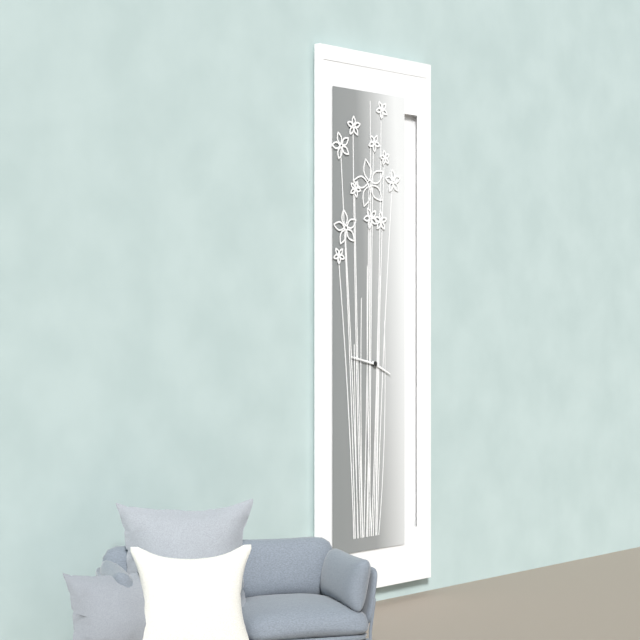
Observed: 3:47
